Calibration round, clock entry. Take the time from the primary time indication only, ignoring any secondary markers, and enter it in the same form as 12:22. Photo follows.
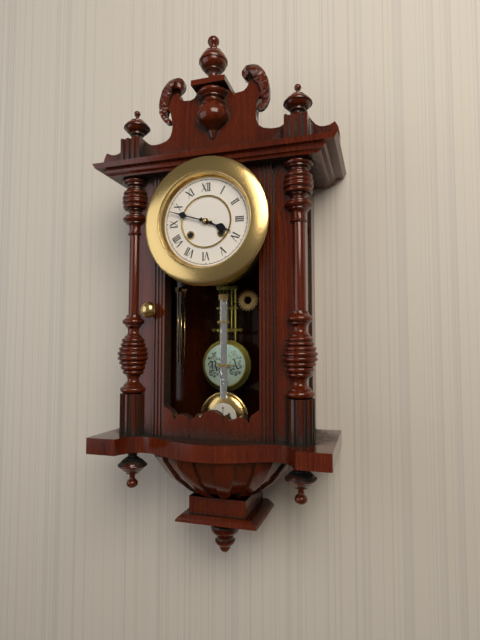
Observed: 3:48
